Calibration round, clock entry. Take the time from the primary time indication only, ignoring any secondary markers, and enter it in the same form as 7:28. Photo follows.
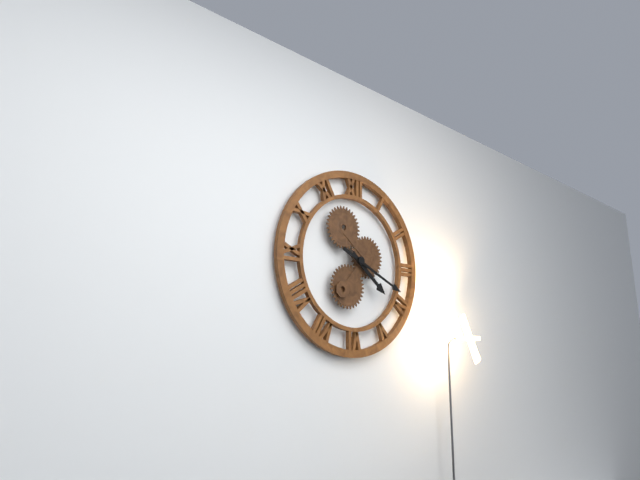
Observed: 4:19
